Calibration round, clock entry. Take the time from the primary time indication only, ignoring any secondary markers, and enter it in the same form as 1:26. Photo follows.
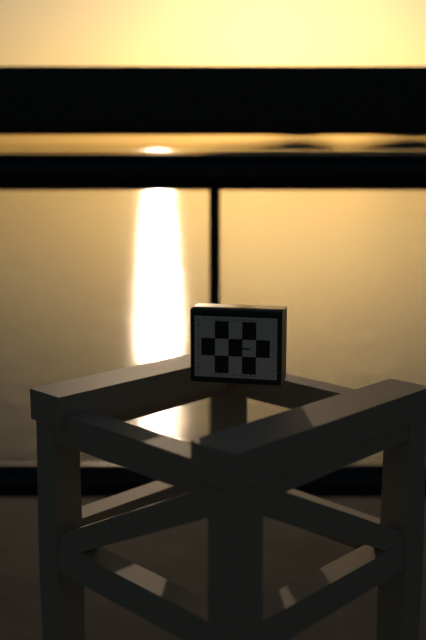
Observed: 3:06
